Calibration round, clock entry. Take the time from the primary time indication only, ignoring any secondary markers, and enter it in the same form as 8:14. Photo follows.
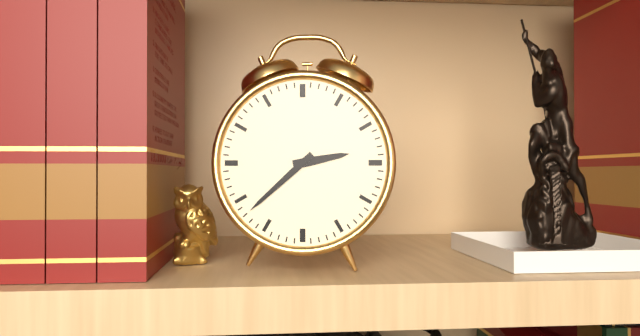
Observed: 2:38
